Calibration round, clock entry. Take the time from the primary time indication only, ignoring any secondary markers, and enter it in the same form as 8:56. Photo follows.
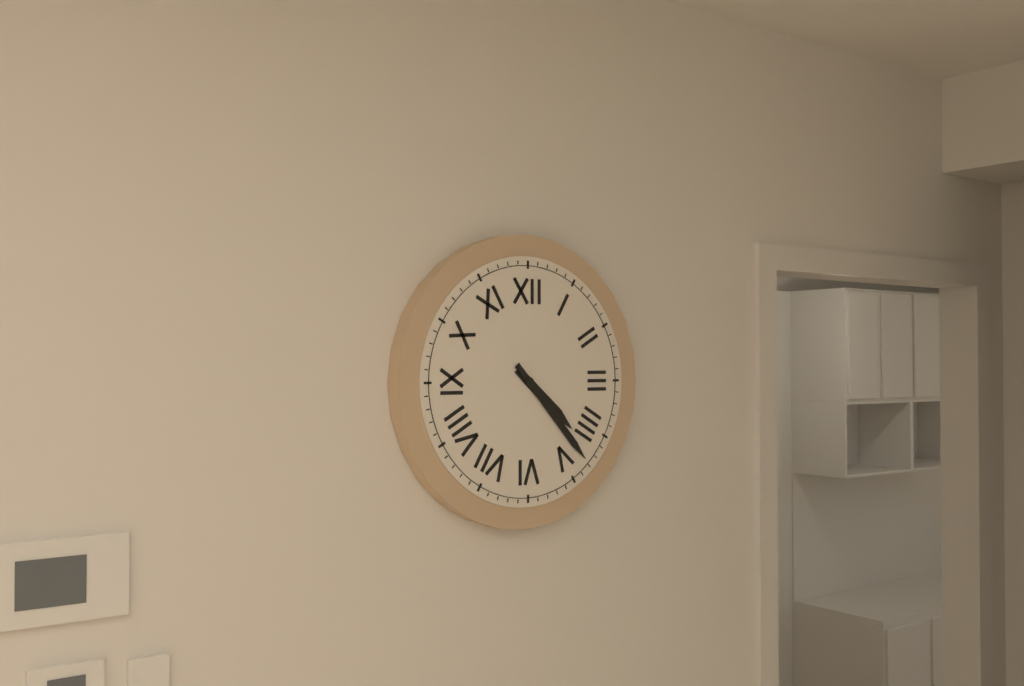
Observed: 4:23
